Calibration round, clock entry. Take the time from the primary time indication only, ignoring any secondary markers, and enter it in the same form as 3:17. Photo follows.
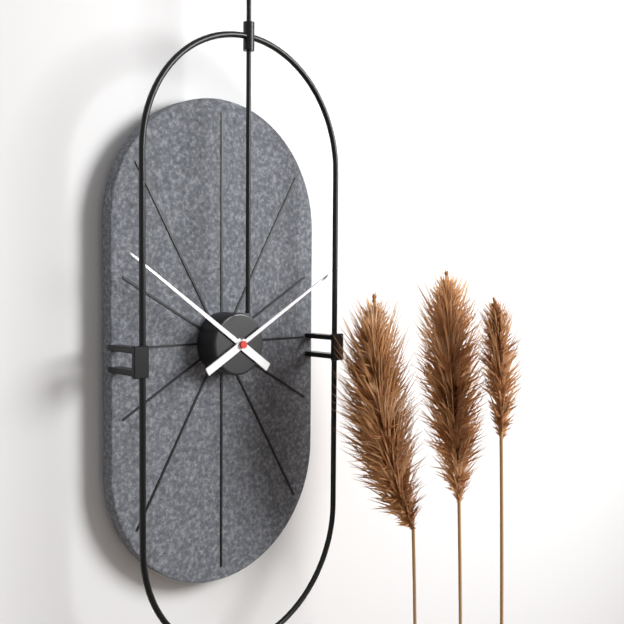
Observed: 10:10
